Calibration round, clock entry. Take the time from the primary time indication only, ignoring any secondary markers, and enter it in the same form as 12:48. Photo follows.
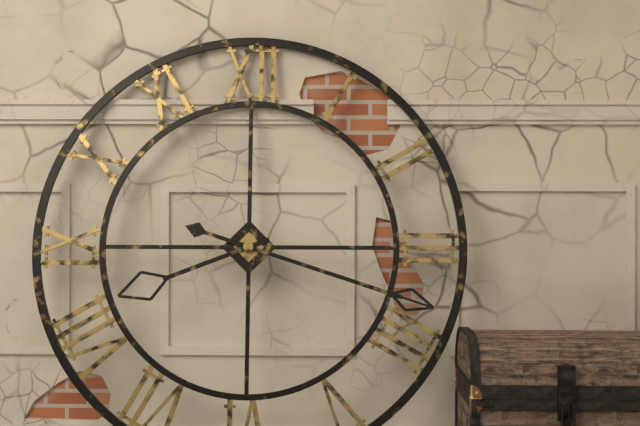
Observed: 8:18
